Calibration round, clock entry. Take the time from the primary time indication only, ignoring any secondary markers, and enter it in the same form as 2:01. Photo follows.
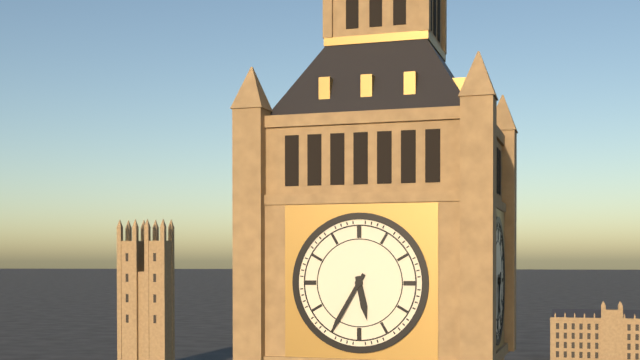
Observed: 5:35
